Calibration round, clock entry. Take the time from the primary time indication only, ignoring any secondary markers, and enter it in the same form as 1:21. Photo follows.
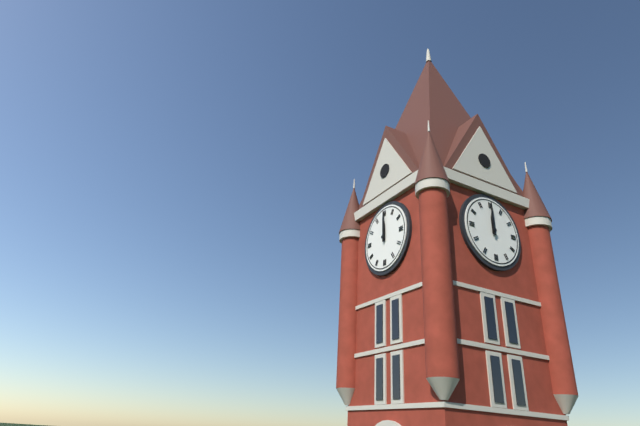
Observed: 12:00
